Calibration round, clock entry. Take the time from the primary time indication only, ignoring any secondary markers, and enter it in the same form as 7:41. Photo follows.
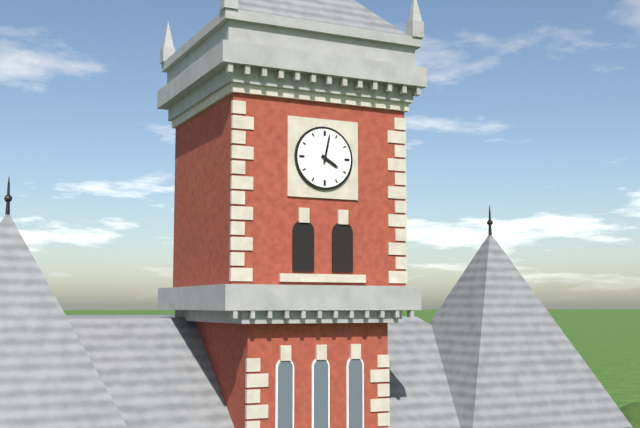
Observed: 4:02
